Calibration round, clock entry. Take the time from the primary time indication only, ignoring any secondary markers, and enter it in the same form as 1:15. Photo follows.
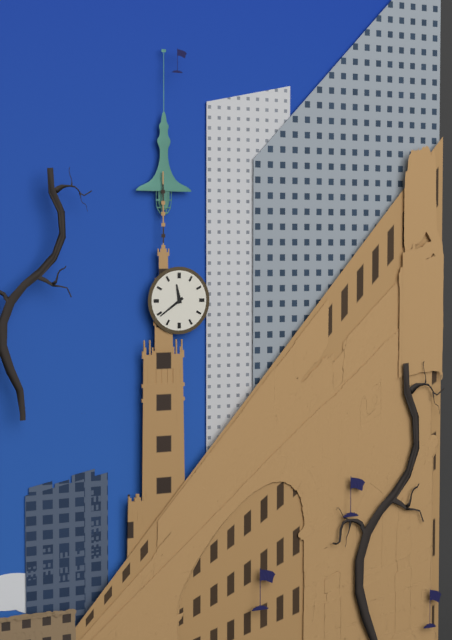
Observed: 11:39
